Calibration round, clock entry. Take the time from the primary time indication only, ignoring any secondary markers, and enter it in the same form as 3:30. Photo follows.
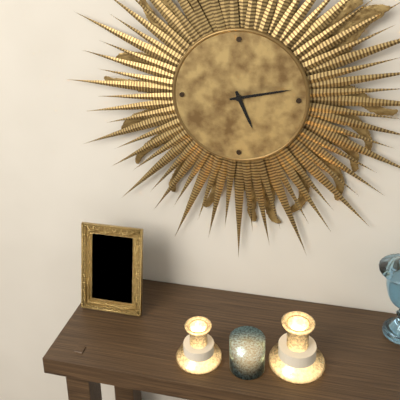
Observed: 5:13
